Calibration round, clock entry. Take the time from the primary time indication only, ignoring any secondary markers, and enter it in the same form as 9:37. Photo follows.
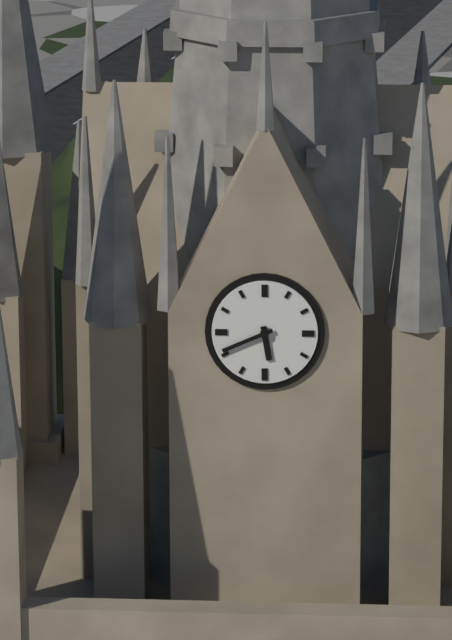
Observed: 5:41
